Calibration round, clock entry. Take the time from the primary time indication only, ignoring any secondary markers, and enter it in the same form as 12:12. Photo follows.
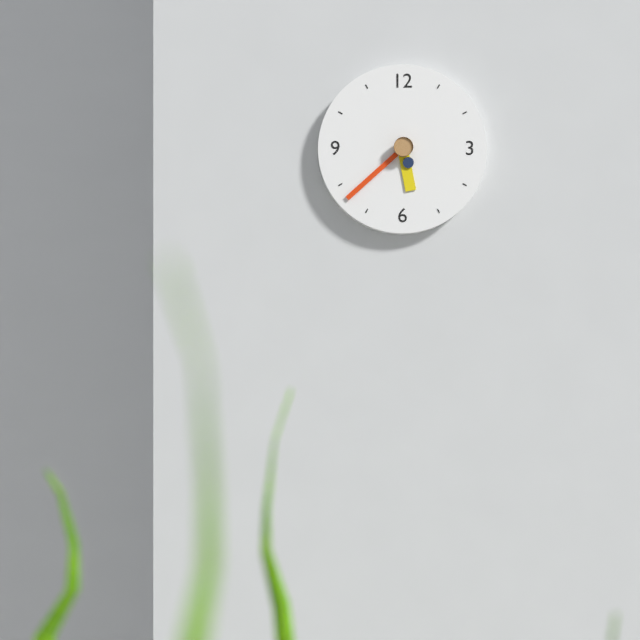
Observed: 5:38
